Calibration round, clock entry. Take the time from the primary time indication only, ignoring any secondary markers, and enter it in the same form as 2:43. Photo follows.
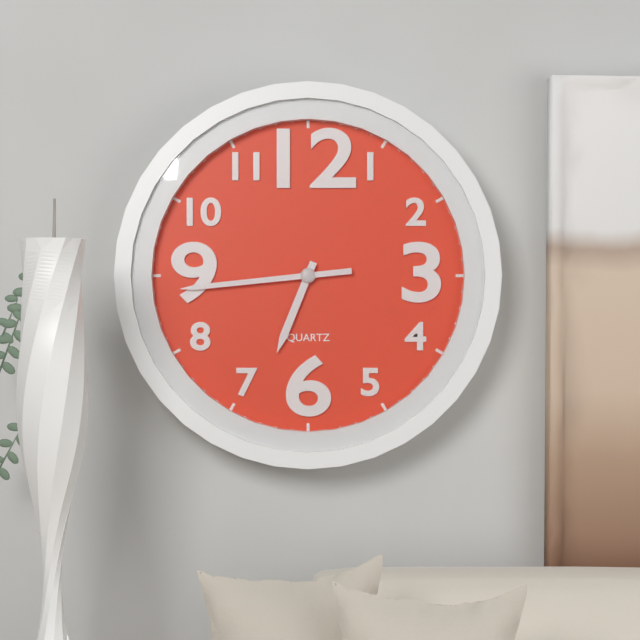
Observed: 6:44
